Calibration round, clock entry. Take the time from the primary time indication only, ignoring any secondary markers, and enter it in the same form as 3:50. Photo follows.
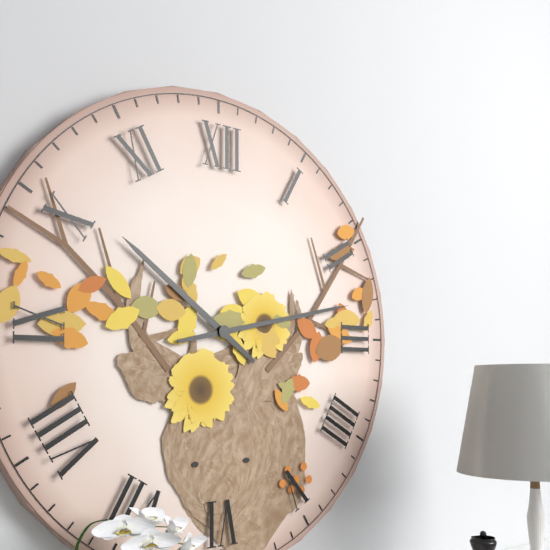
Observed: 10:13
